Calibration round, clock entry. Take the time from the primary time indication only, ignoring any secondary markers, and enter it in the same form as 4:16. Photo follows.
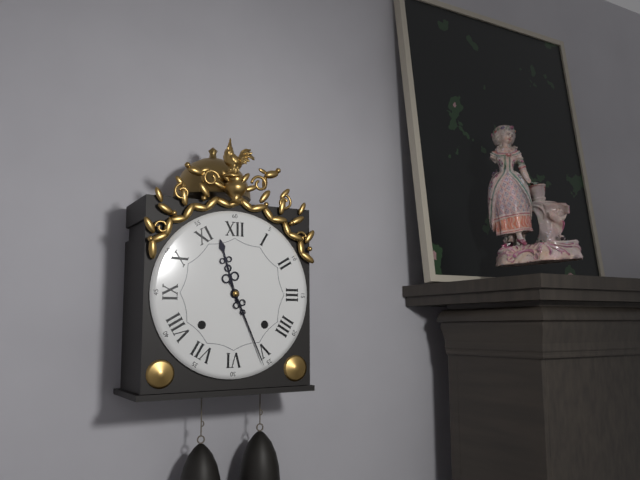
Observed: 11:26
